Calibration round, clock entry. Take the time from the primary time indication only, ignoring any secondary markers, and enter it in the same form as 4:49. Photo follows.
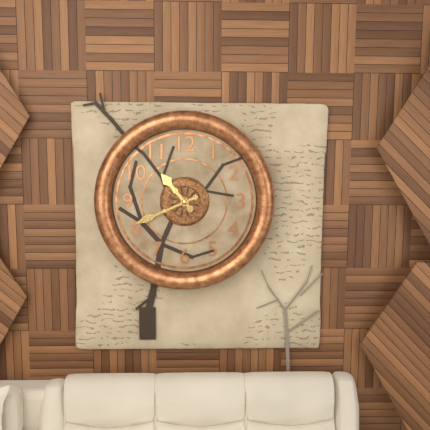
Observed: 10:41
